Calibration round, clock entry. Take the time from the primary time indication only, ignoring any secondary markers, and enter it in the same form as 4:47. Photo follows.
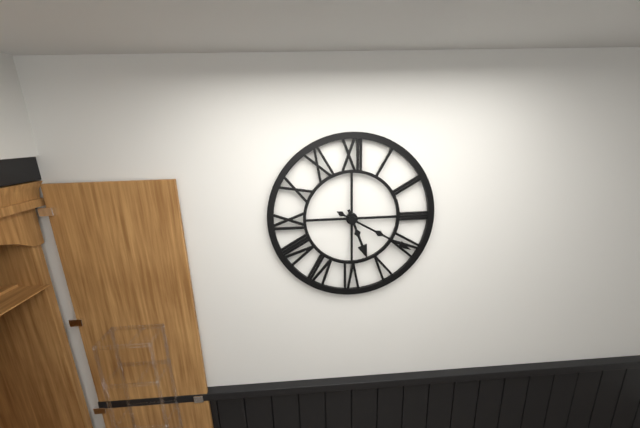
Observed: 5:20
